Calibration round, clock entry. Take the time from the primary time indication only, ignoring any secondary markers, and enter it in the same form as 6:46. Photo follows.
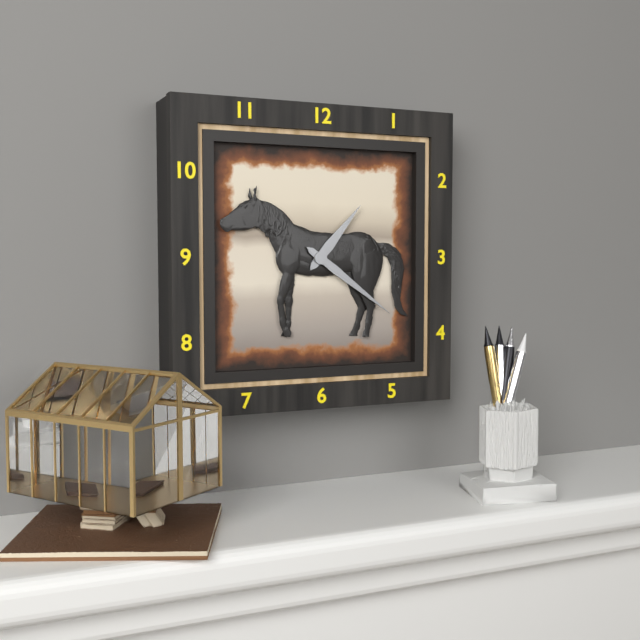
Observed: 1:21
